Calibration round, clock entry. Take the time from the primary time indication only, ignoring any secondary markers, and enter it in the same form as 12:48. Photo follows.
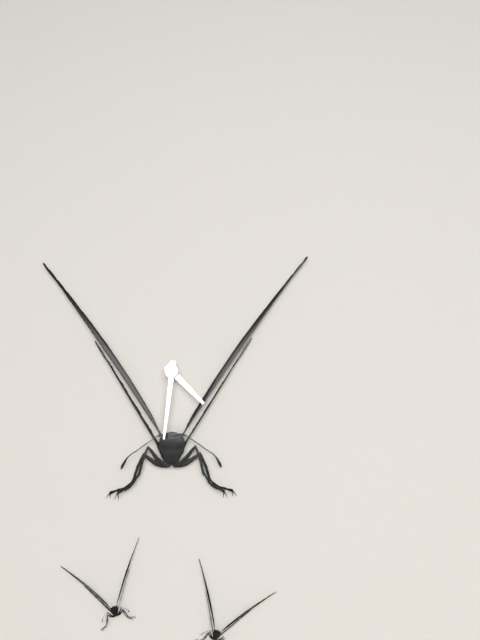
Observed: 4:31
